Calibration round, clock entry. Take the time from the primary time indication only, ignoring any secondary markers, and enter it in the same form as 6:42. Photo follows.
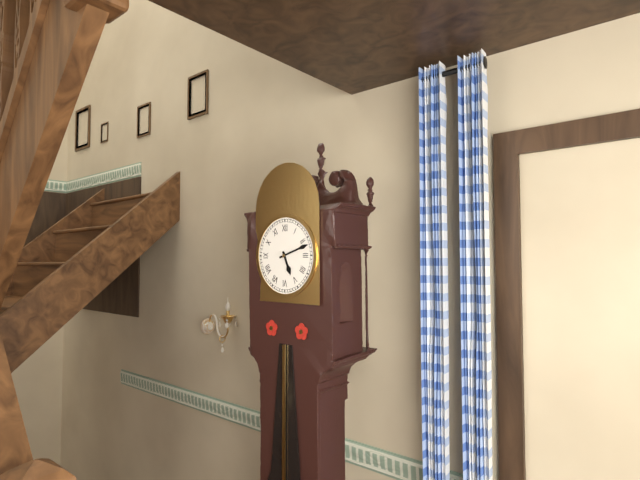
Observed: 5:12
